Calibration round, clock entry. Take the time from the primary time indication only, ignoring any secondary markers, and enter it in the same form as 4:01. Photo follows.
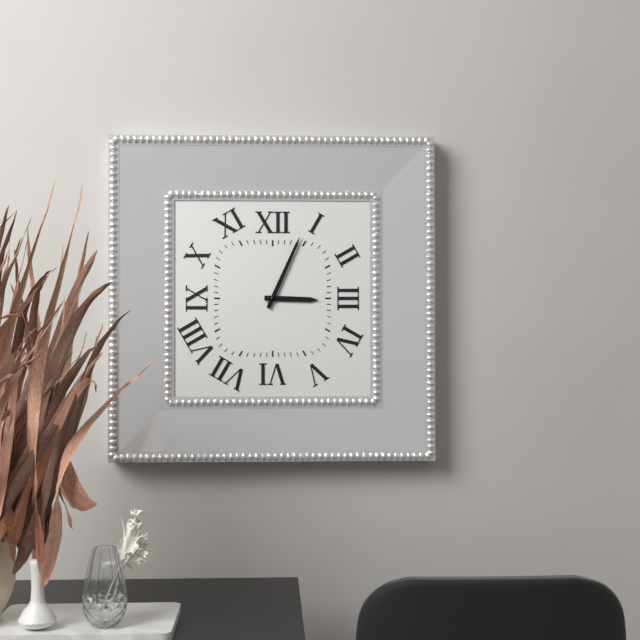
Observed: 3:04
